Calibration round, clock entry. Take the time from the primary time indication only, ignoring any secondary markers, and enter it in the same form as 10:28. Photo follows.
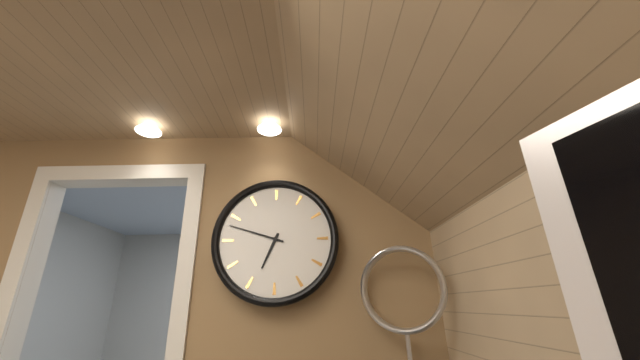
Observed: 6:48
